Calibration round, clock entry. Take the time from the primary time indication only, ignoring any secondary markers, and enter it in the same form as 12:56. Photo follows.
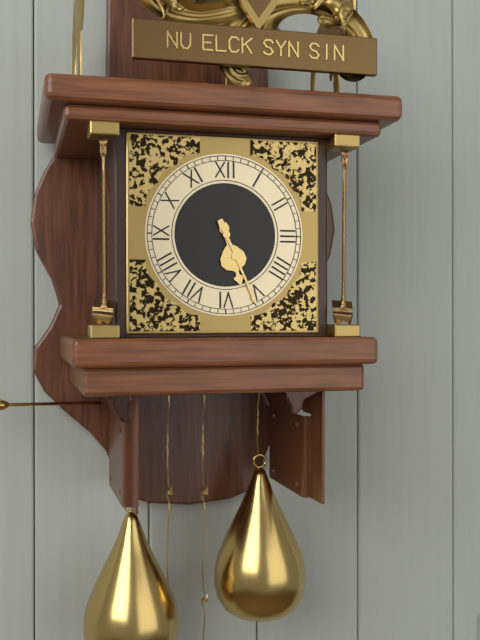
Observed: 5:26
